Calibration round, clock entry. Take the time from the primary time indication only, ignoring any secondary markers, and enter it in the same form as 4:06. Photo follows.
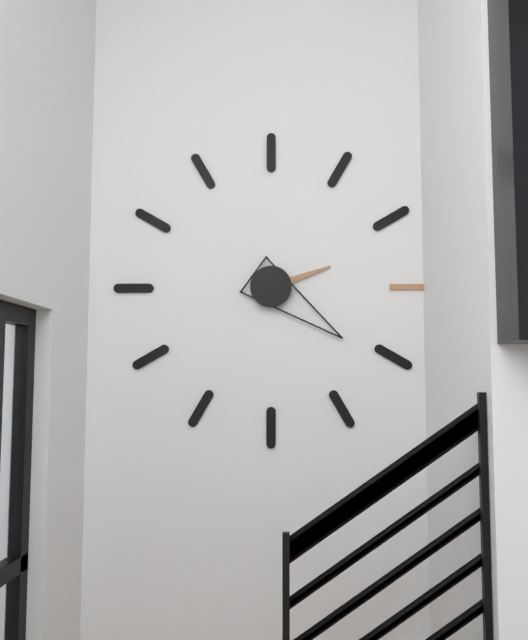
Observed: 2:21
